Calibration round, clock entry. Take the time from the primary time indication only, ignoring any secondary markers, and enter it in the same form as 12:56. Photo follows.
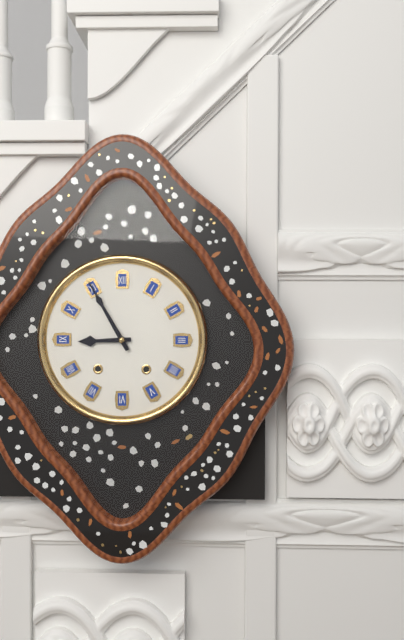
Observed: 8:55
